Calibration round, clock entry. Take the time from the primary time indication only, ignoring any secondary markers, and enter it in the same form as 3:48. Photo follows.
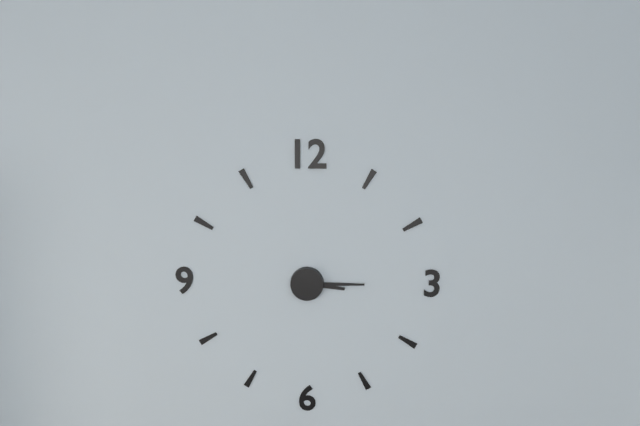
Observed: 3:15
